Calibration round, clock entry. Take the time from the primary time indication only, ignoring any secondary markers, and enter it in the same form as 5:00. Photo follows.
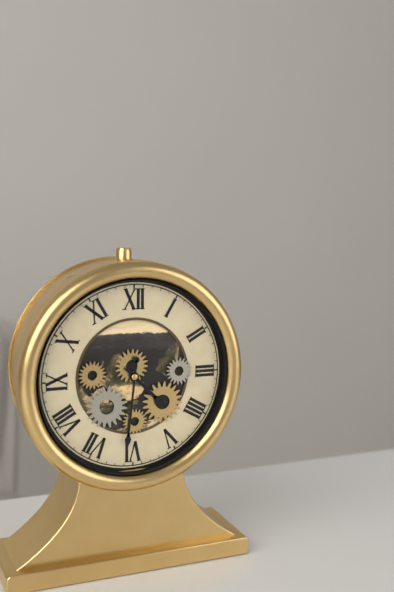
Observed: 4:31
